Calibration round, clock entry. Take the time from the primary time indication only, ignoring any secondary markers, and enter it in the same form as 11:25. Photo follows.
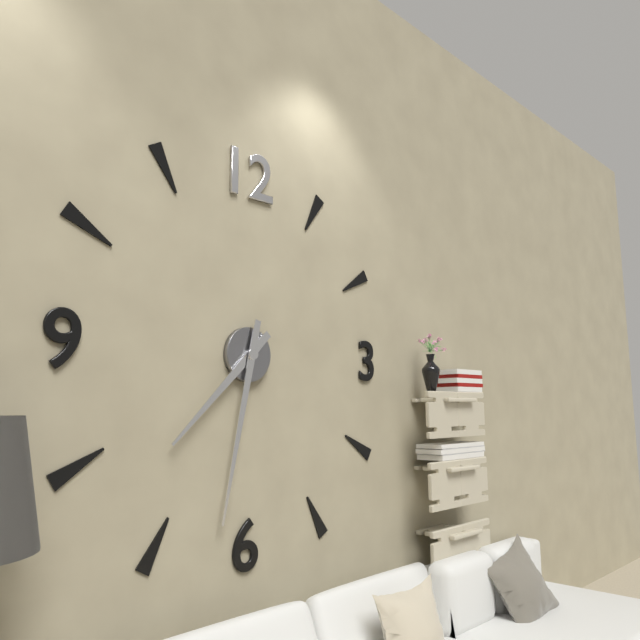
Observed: 7:32
